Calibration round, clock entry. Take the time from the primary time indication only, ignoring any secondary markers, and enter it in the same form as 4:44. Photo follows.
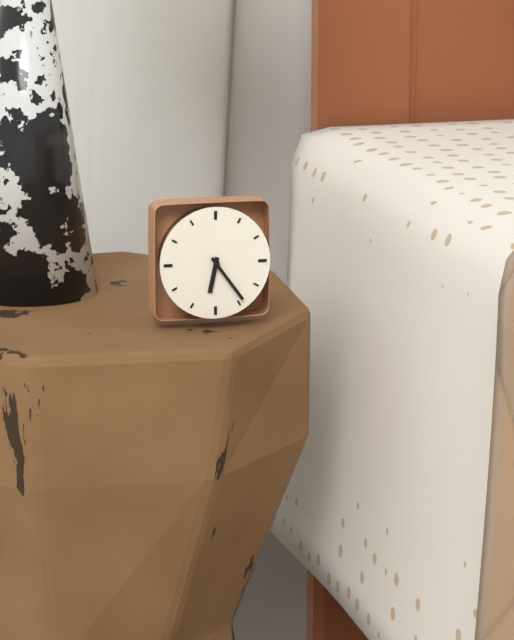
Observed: 6:24
